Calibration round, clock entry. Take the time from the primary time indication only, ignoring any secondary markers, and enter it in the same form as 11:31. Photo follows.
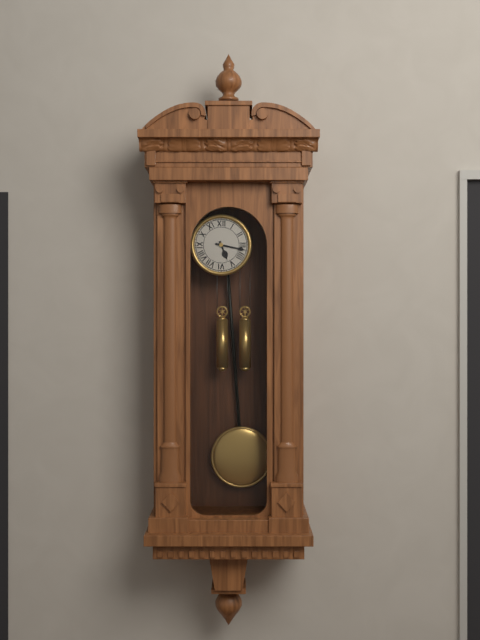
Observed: 5:17
